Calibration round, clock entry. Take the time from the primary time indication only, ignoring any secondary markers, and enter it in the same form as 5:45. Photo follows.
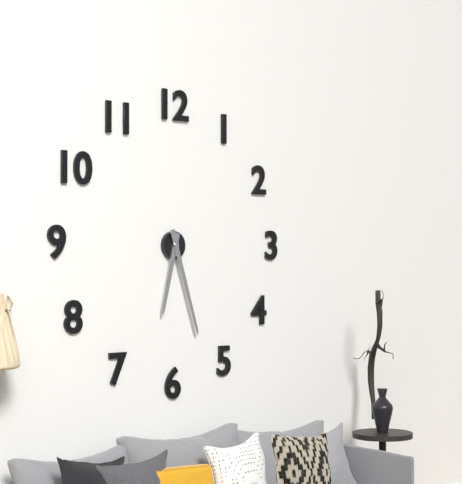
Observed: 6:27
